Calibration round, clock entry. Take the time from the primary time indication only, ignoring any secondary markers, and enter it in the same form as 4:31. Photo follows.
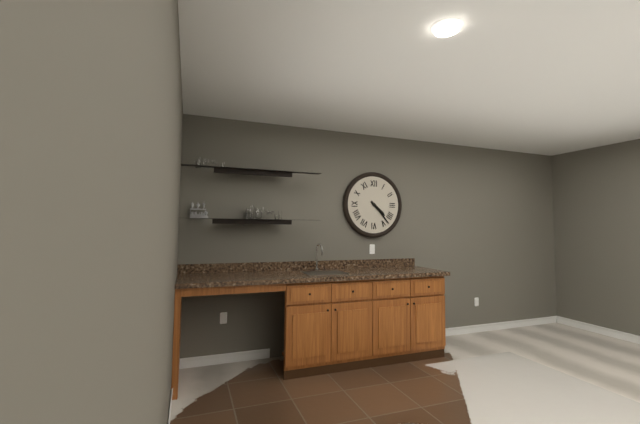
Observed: 4:23
